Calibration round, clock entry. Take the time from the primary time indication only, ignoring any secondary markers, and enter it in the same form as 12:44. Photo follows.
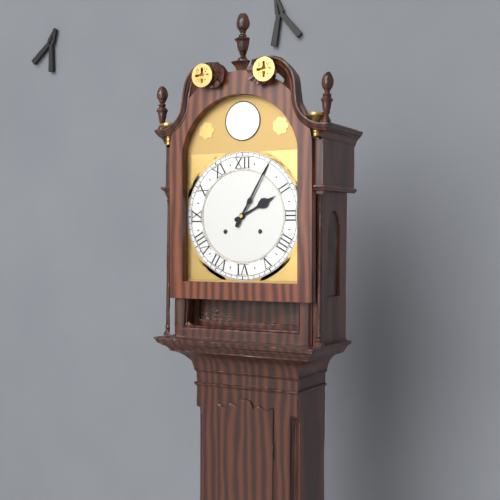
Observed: 2:05
